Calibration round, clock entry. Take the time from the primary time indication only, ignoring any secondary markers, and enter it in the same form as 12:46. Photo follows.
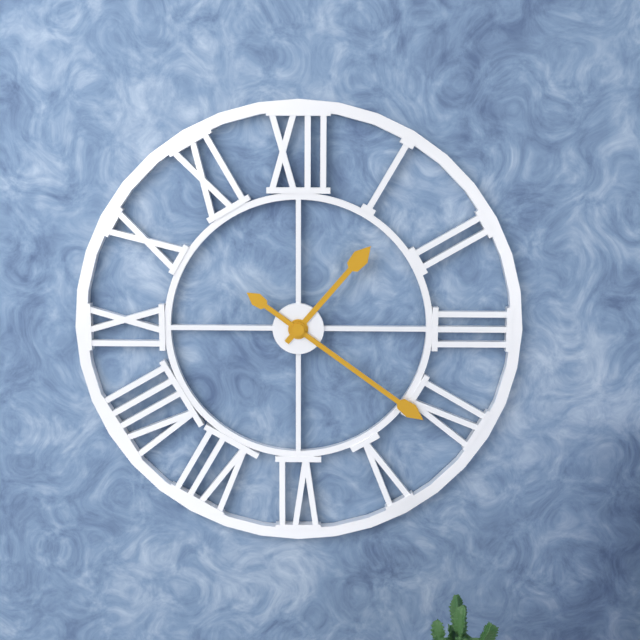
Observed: 1:21
